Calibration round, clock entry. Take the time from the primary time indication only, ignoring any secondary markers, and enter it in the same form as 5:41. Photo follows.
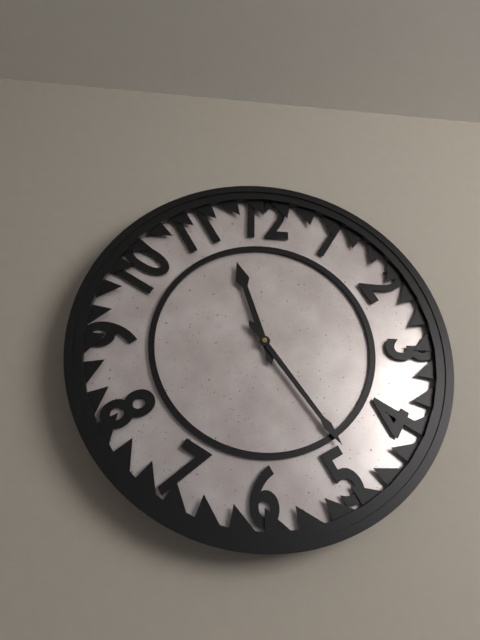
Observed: 11:24
